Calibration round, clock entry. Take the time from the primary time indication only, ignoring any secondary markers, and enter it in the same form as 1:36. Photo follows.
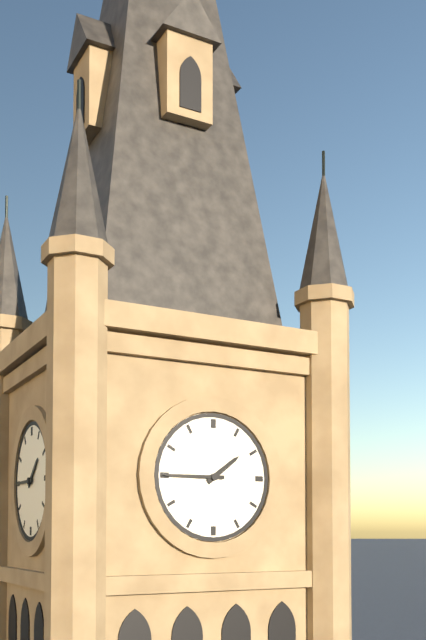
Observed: 1:45
